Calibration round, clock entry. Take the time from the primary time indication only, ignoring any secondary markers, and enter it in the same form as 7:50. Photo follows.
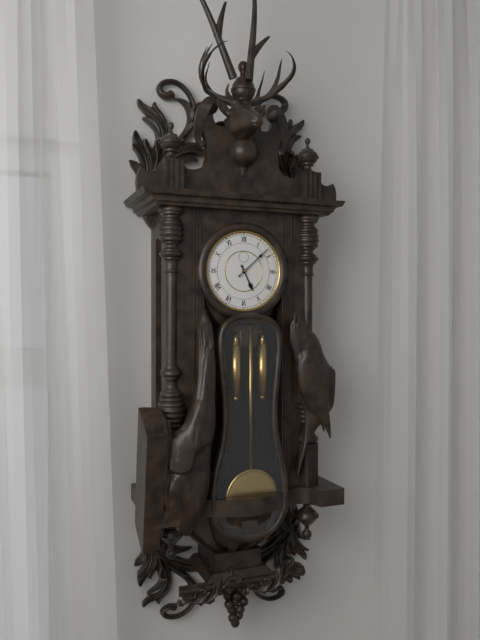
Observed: 5:08
